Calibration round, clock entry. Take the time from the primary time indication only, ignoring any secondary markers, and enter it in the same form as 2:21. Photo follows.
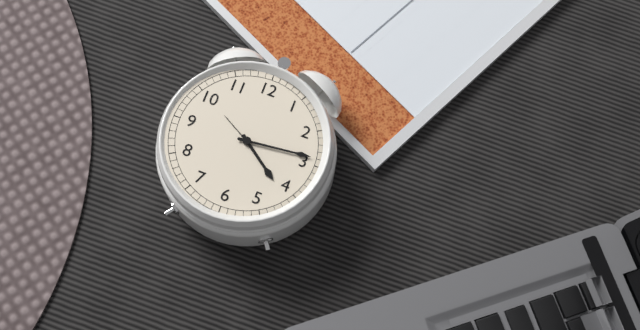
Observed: 4:14
